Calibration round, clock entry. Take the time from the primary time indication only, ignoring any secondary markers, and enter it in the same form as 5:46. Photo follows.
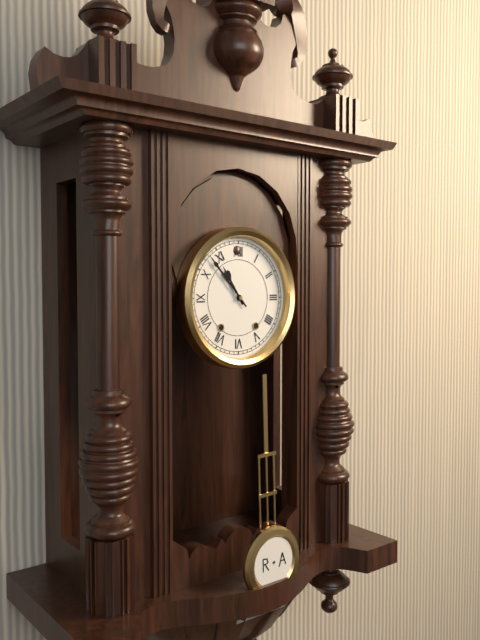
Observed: 10:53
